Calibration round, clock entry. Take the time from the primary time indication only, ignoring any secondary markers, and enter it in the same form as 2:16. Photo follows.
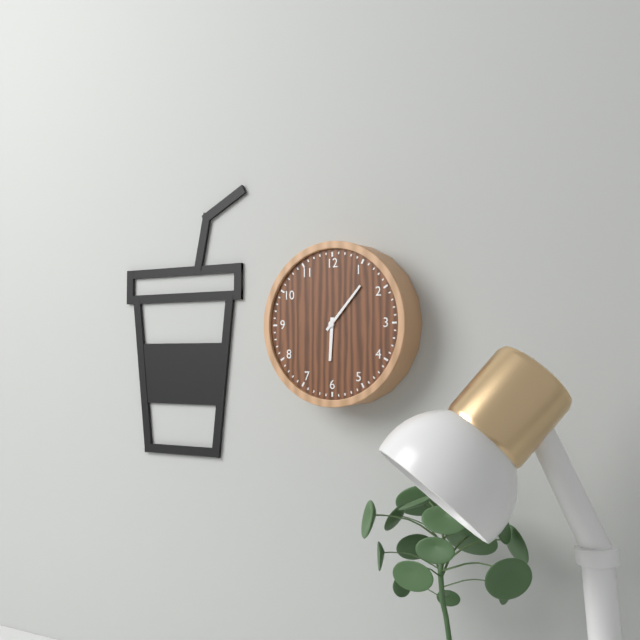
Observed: 6:07
